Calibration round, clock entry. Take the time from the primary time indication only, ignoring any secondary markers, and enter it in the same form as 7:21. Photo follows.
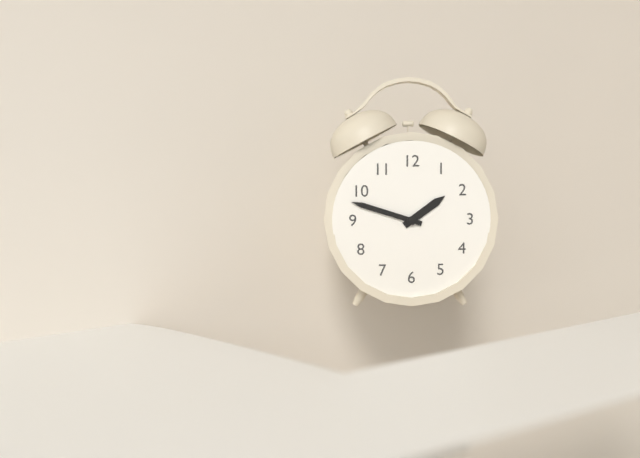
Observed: 1:48
